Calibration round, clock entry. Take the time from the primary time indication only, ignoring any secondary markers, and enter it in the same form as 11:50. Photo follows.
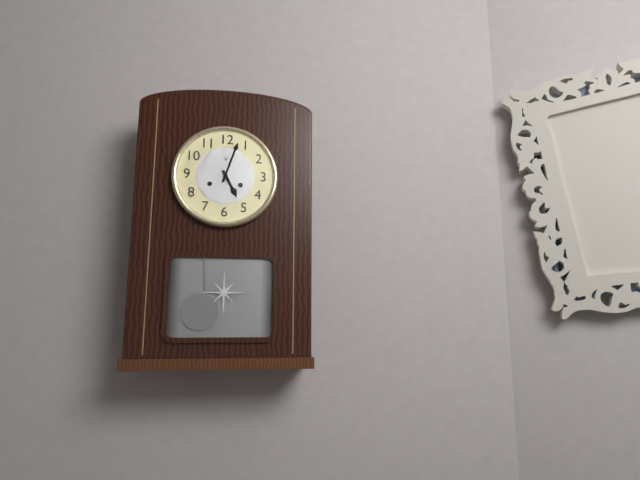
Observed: 5:03
